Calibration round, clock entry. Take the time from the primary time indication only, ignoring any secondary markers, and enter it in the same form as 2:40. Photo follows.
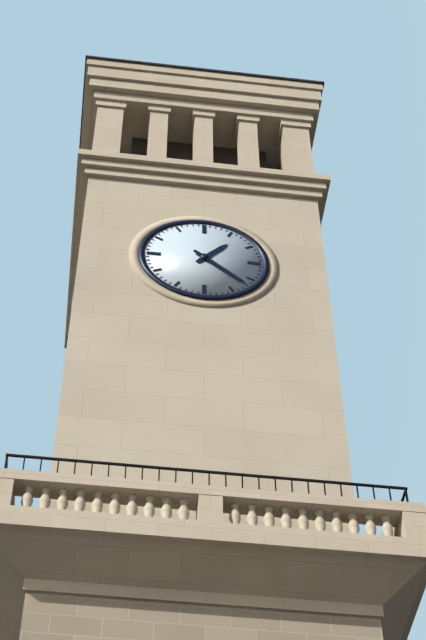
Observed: 1:22
